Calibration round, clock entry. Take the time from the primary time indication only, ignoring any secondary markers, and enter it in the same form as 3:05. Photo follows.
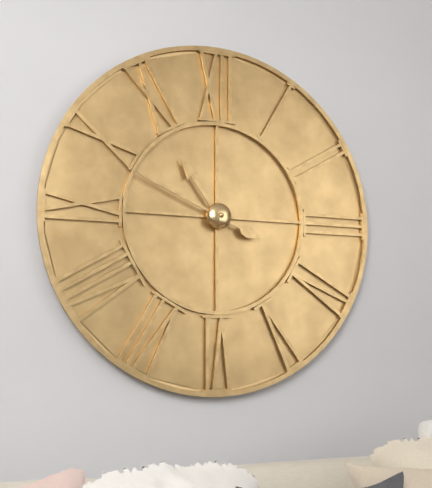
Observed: 10:49
